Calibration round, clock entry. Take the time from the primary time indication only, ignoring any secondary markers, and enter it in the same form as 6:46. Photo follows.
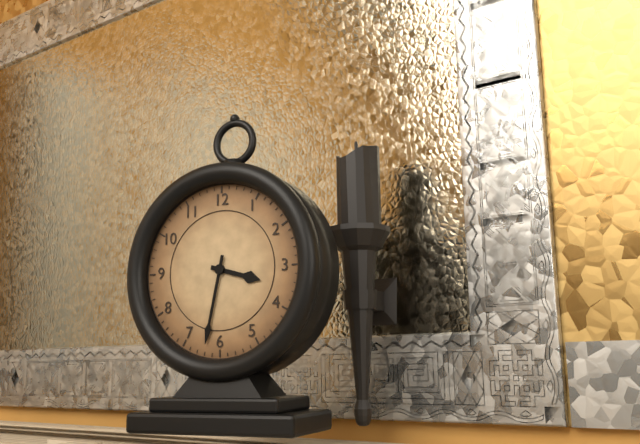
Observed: 3:32
